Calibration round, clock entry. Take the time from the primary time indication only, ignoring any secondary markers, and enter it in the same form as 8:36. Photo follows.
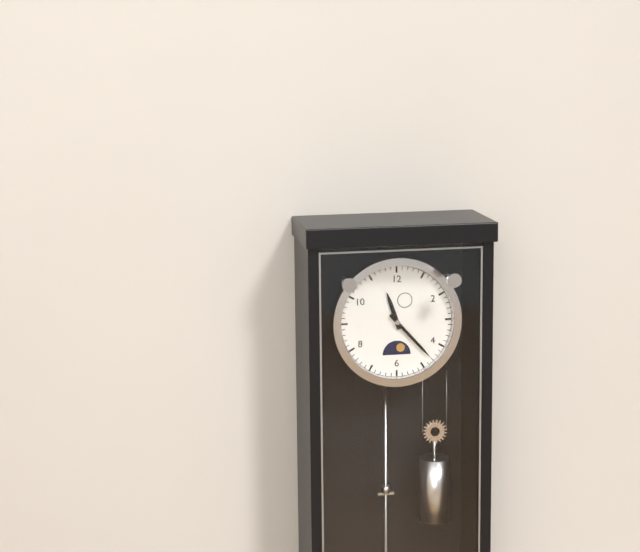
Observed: 11:23
